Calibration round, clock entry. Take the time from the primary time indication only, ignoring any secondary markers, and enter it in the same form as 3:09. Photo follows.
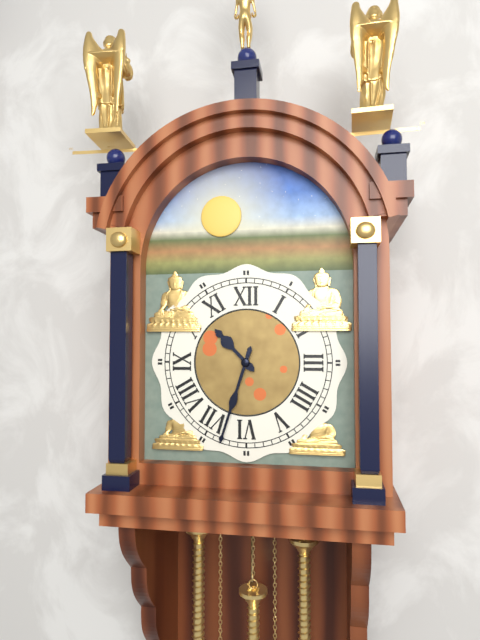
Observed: 10:33
